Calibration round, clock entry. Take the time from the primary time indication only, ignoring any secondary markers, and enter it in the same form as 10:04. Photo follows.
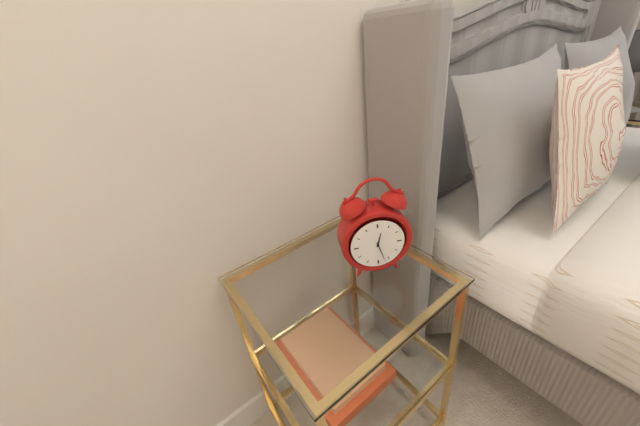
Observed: 12:27
